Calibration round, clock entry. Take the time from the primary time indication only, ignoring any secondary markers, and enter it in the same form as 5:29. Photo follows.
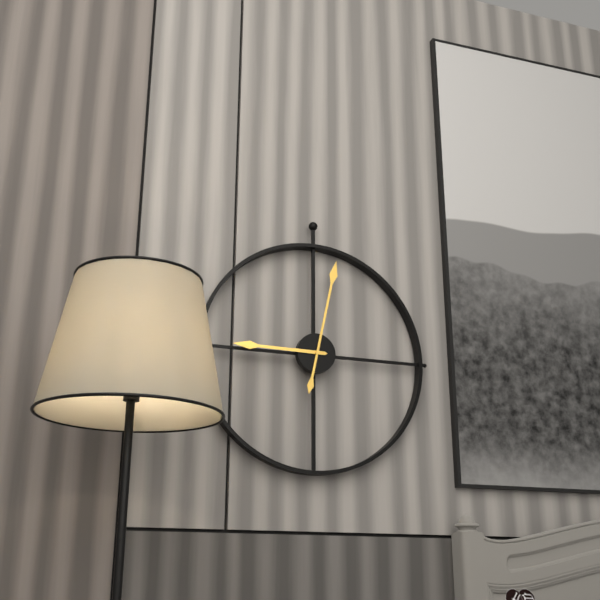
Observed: 9:02
